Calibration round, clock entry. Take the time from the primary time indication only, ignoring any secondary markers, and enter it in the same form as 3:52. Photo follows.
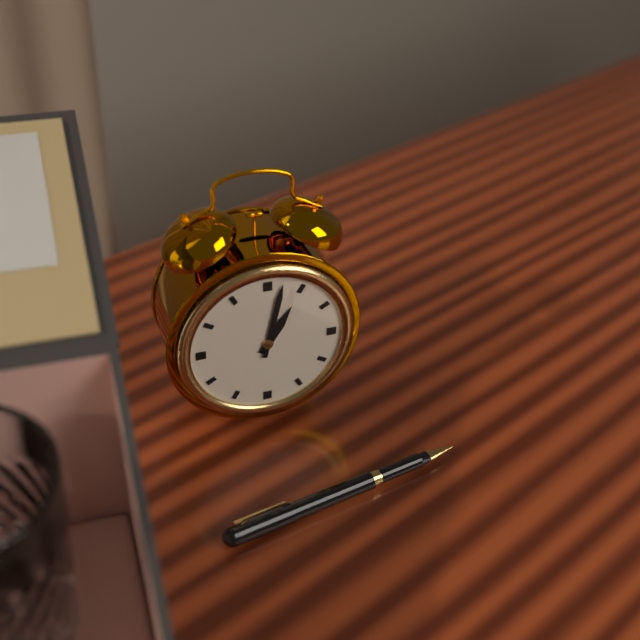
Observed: 1:02
